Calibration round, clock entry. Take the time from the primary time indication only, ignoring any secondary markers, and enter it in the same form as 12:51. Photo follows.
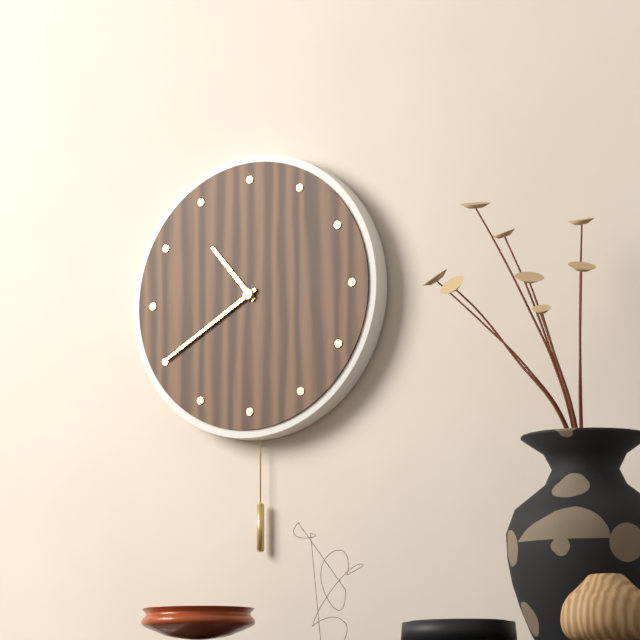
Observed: 10:40
